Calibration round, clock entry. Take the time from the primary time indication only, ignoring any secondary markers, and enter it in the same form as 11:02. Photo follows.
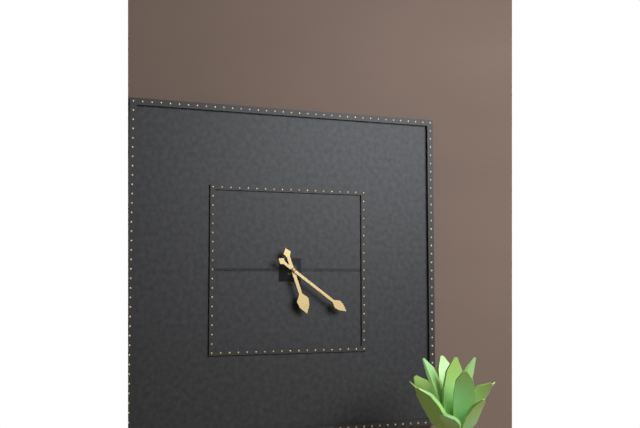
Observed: 5:21
